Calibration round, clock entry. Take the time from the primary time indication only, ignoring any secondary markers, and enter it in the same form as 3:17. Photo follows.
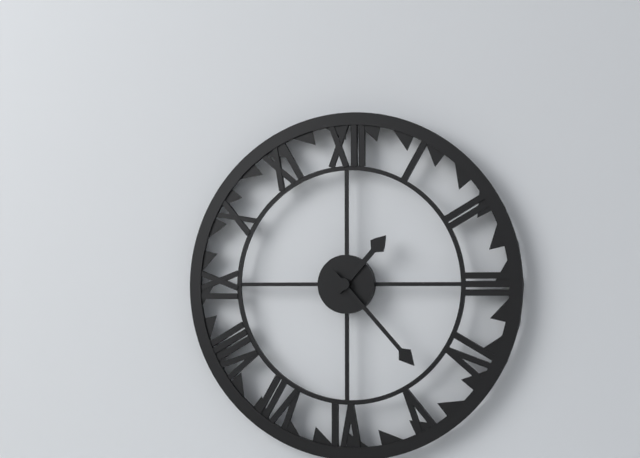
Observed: 1:23
